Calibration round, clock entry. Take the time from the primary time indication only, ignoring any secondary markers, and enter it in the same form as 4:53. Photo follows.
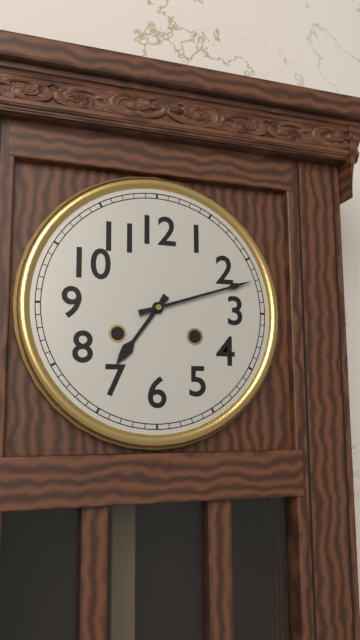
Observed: 7:12
